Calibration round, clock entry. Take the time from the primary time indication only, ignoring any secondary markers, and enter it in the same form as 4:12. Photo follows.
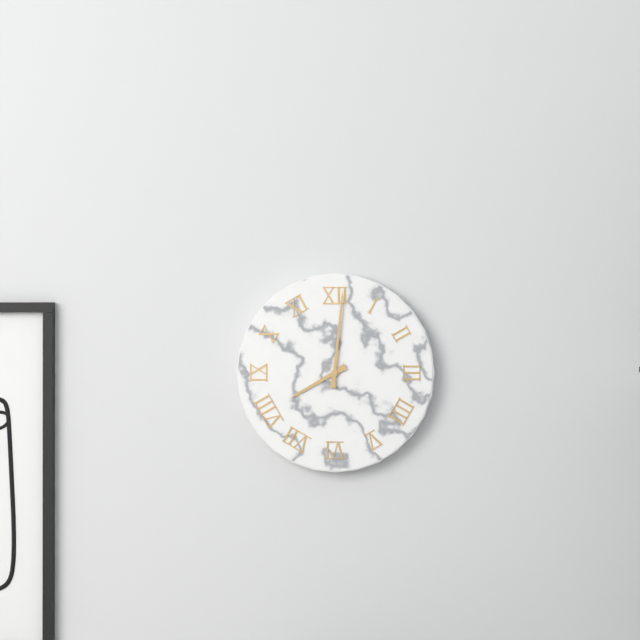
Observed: 8:01
